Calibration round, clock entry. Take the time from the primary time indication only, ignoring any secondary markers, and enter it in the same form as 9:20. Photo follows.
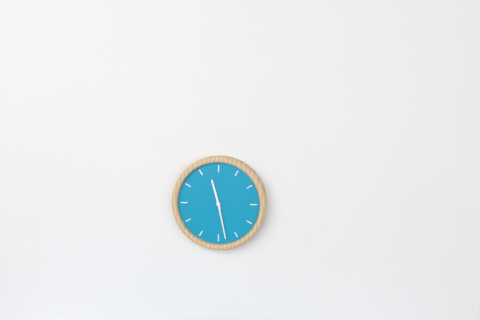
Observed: 11:28
